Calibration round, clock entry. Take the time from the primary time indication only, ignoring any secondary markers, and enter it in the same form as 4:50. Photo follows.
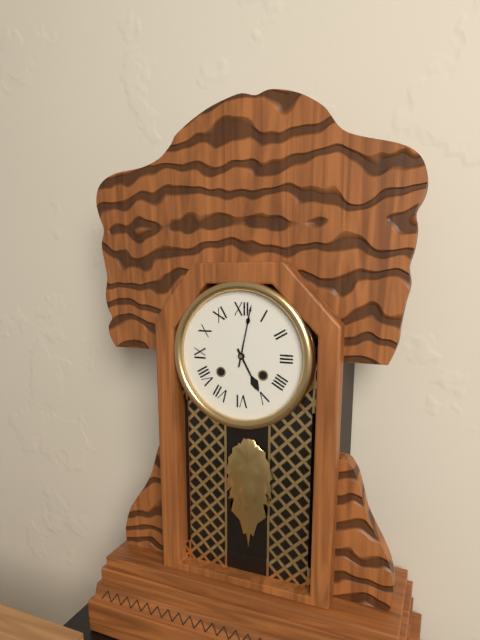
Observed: 5:02
